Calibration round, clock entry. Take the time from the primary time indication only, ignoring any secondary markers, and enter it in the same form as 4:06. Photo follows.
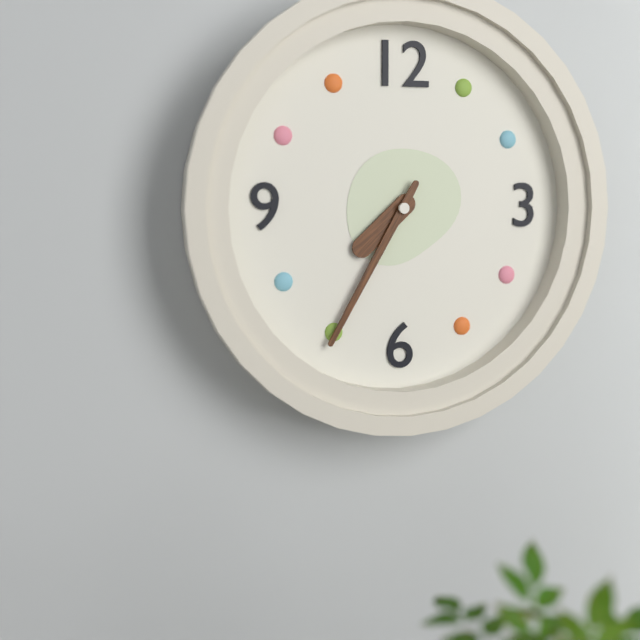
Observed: 7:35
